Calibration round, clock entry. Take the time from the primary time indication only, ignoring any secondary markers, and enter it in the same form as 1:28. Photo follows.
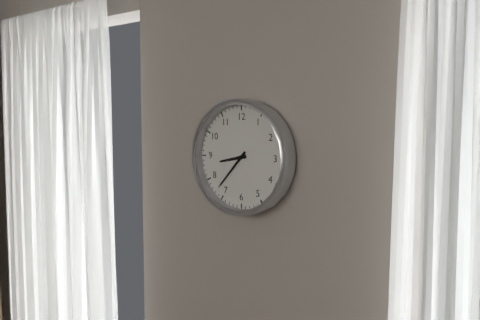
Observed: 8:37
